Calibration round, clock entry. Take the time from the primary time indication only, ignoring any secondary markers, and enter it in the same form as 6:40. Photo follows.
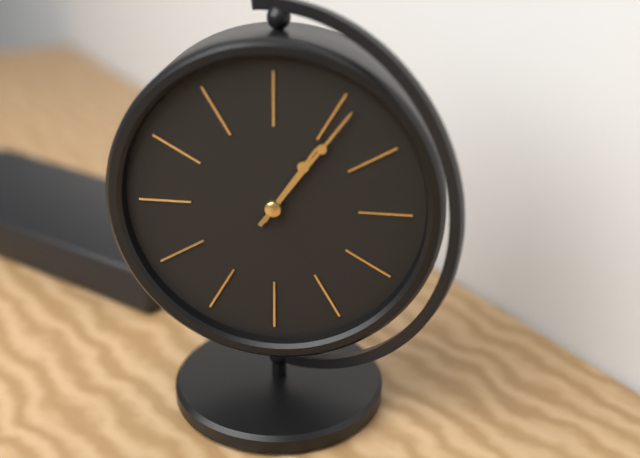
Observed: 1:06
